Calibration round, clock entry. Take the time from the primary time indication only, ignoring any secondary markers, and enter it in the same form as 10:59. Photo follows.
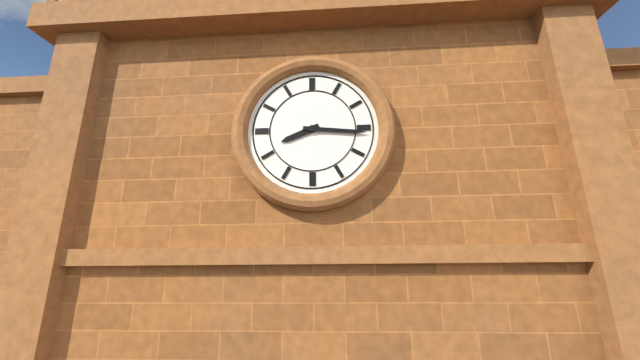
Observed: 8:16
